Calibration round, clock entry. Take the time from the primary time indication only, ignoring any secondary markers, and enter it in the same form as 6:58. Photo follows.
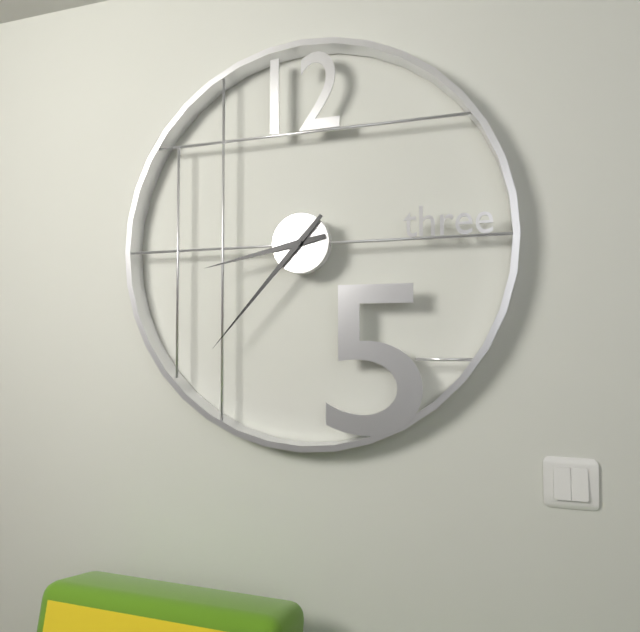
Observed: 8:37
